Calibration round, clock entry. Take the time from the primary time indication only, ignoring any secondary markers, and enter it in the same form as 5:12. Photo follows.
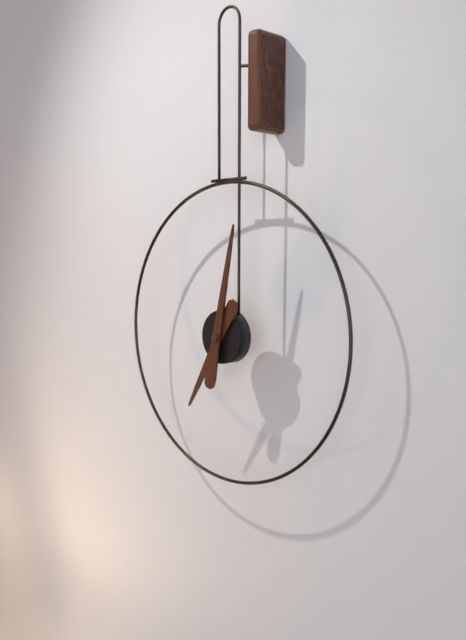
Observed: 7:02
